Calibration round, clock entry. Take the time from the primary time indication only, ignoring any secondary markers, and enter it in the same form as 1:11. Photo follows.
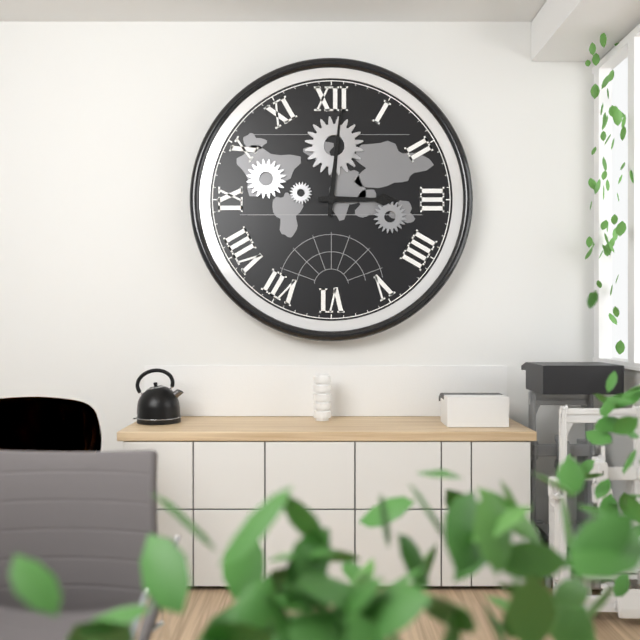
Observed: 3:01
